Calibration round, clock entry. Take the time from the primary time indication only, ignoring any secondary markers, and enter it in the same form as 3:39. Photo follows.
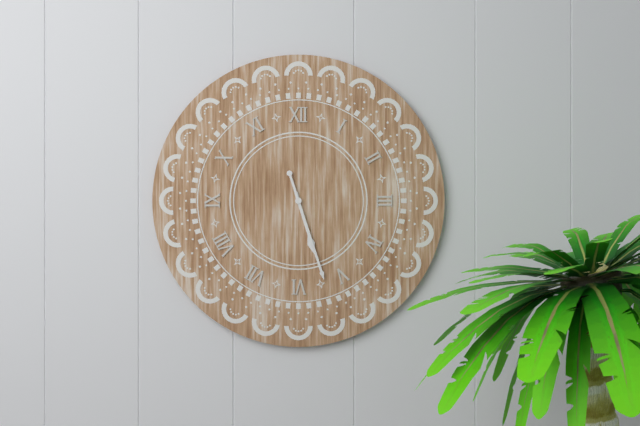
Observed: 5:27
